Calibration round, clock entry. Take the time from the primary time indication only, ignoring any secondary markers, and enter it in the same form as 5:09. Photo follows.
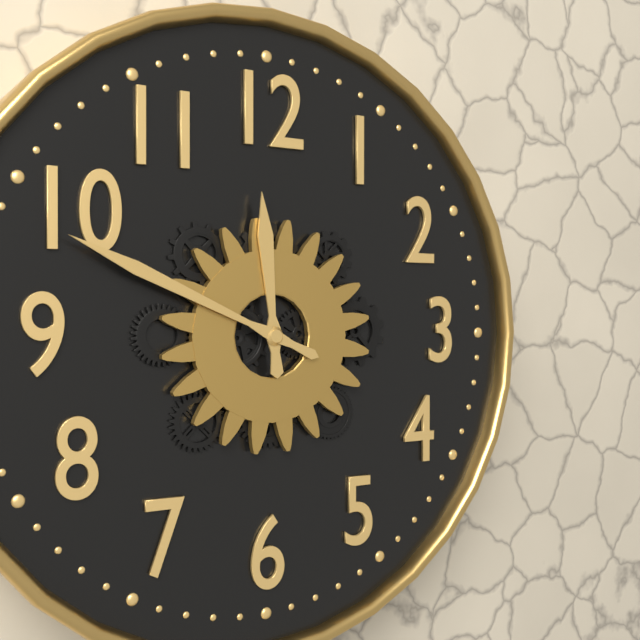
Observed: 11:49
